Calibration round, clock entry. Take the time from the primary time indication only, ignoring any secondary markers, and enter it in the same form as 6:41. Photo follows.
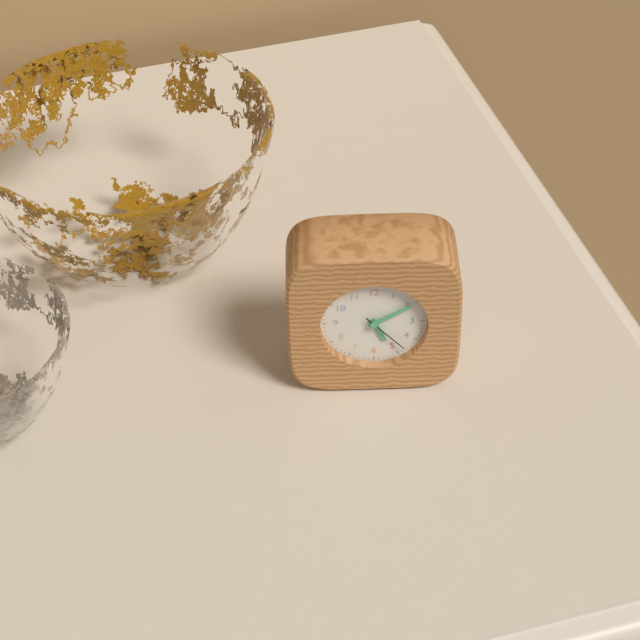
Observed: 5:10
